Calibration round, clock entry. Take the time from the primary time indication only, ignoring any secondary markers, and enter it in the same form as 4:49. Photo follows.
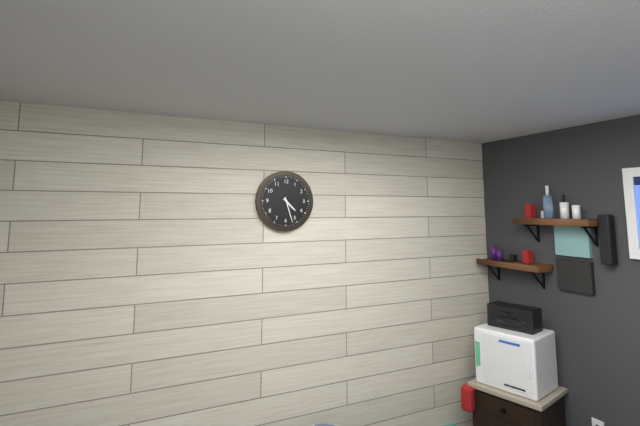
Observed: 4:27
